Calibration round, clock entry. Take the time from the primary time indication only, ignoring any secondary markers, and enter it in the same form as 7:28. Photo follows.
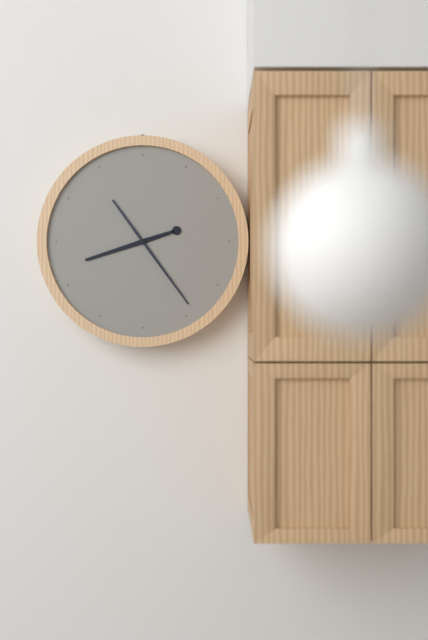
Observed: 8:24
